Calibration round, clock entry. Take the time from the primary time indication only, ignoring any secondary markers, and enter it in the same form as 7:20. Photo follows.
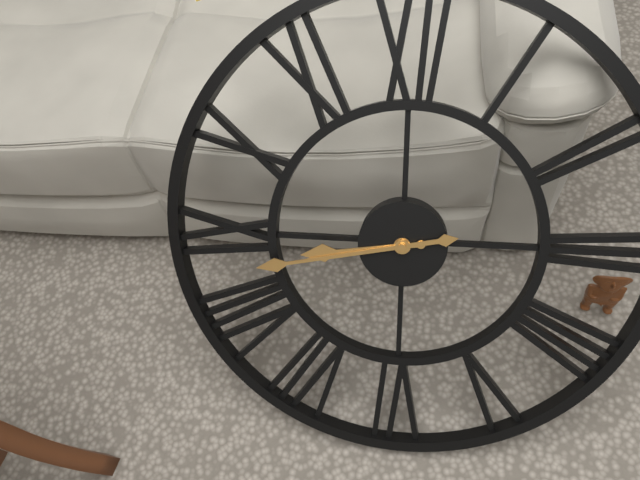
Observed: 8:43
